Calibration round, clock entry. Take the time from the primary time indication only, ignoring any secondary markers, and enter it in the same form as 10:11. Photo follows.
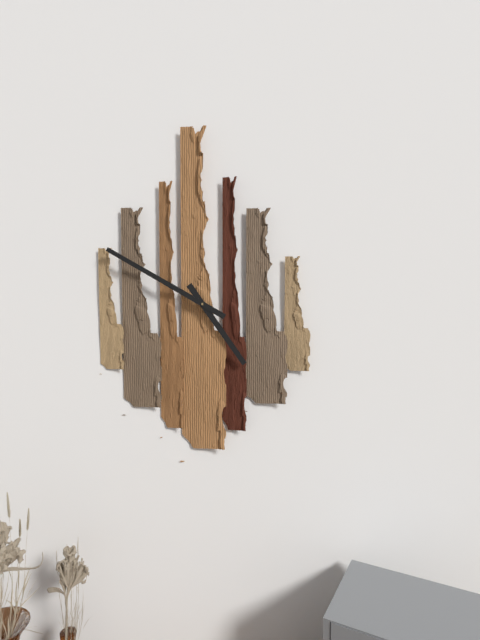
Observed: 4:50
